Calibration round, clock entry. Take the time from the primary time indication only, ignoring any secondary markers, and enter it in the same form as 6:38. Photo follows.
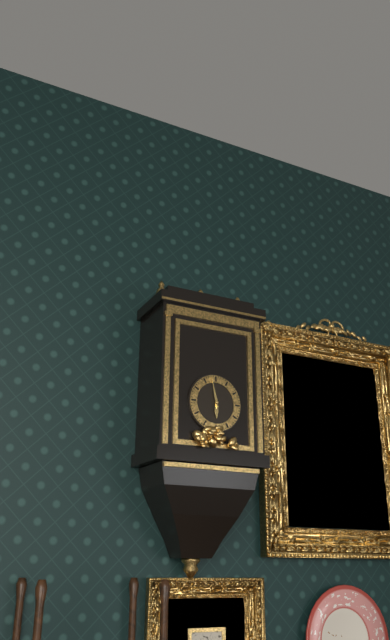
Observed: 5:58
